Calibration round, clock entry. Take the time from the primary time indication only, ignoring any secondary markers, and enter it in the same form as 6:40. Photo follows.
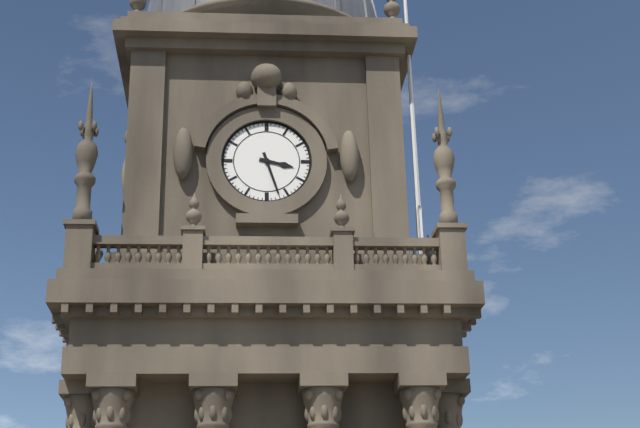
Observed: 3:27
